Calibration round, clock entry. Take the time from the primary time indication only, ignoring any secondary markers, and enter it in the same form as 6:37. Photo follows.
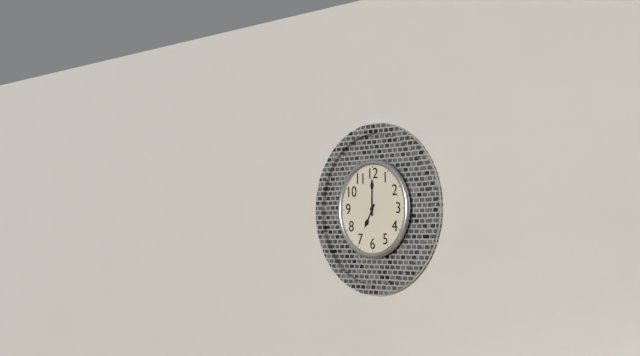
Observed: 7:00
